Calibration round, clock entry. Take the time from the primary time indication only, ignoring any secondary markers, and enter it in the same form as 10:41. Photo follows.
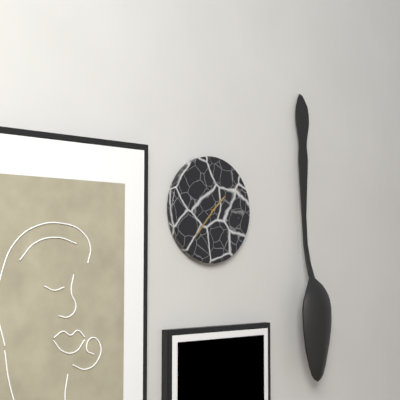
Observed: 1:37
